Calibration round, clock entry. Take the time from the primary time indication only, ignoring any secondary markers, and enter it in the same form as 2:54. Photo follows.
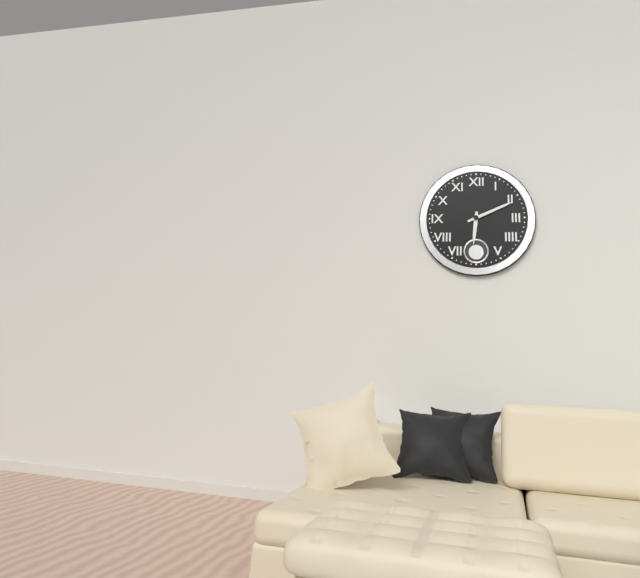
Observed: 6:11
